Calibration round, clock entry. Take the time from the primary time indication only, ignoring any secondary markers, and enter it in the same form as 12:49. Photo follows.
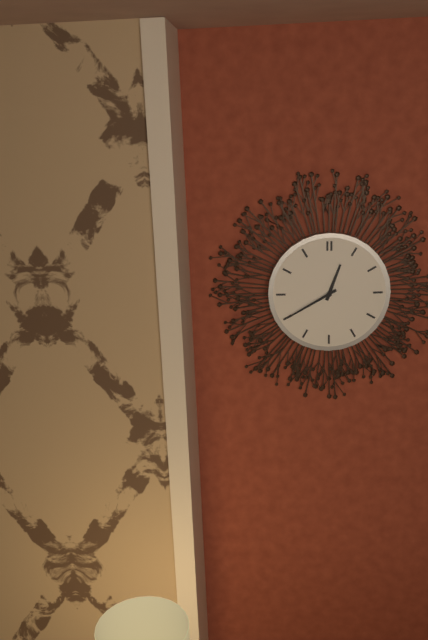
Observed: 12:40
